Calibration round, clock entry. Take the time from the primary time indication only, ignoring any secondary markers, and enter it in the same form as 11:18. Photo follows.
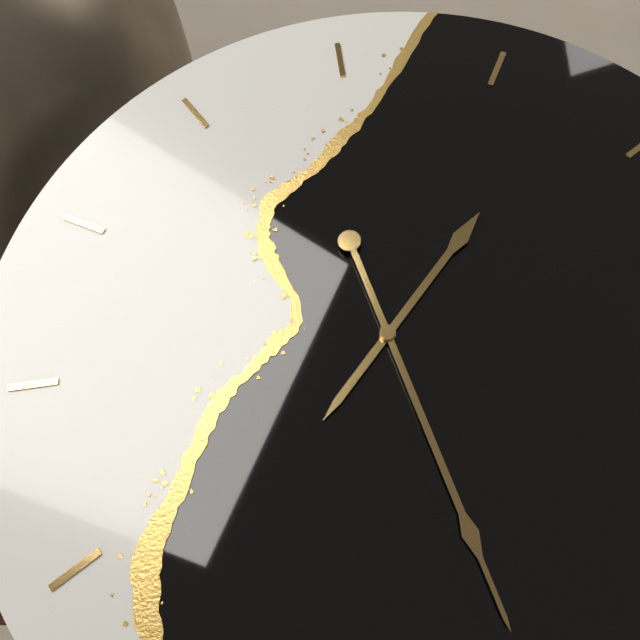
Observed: 1:28
